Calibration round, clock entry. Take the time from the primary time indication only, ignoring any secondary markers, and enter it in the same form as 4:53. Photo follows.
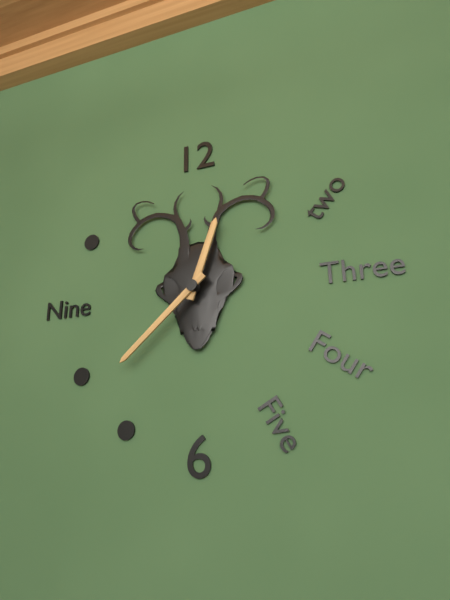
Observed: 12:38
